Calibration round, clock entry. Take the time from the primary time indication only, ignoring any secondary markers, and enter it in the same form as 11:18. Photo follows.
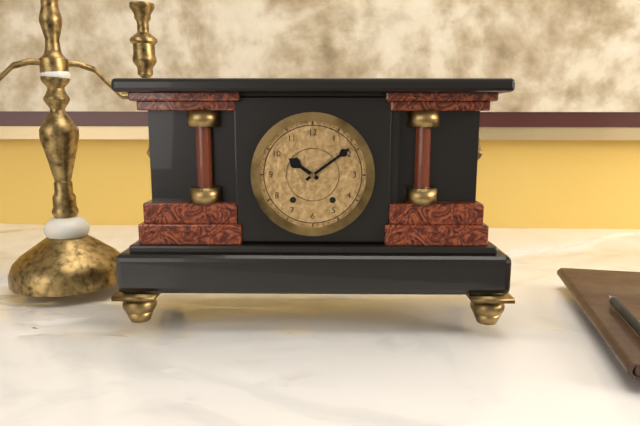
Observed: 10:09
